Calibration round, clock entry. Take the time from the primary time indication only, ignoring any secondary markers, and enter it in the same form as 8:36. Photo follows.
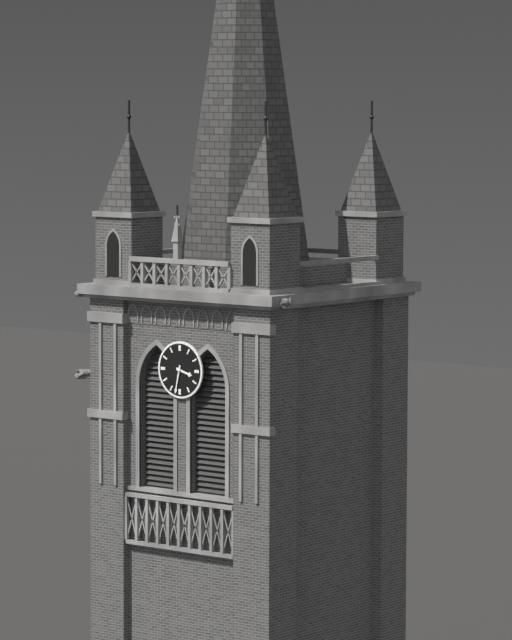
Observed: 3:32
